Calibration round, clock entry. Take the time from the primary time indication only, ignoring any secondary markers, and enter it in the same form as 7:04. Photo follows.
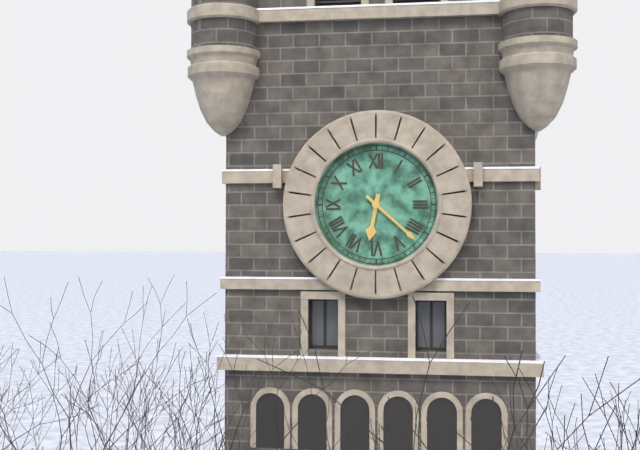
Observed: 6:22
